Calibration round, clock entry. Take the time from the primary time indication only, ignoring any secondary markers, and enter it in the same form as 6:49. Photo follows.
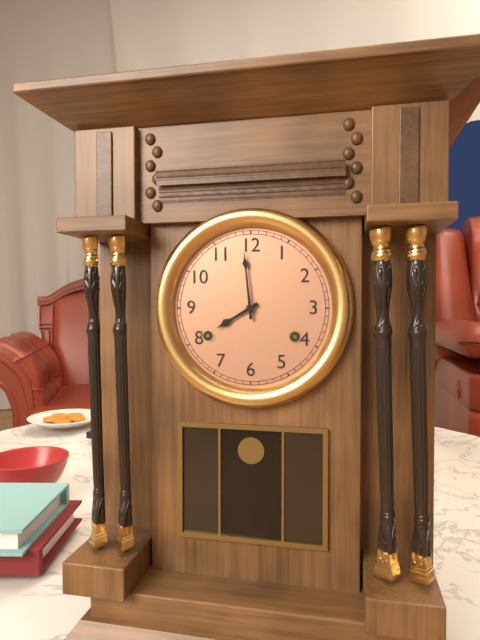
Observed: 7:59
